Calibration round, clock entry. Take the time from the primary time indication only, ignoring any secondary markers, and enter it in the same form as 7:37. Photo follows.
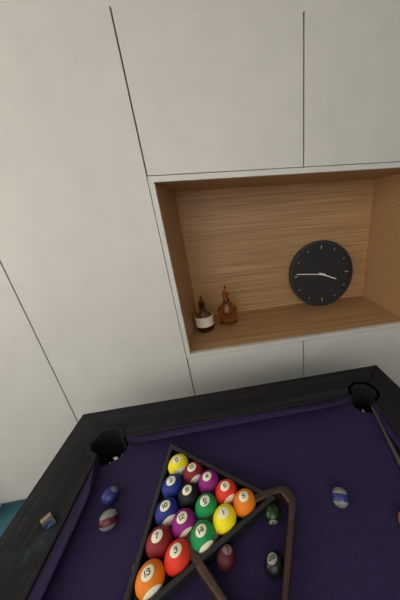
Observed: 3:46
